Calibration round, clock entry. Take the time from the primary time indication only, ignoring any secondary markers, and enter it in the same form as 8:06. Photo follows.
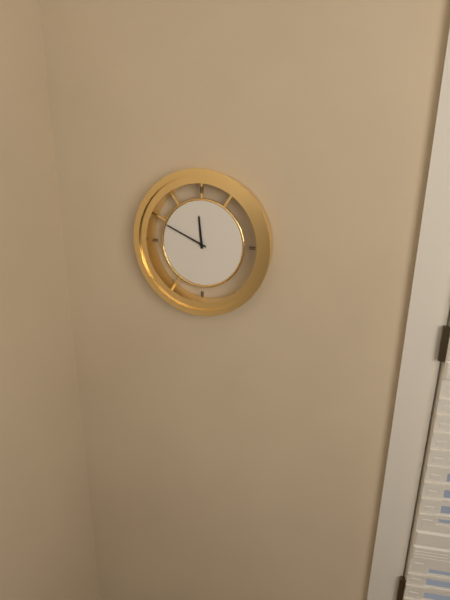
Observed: 11:49
